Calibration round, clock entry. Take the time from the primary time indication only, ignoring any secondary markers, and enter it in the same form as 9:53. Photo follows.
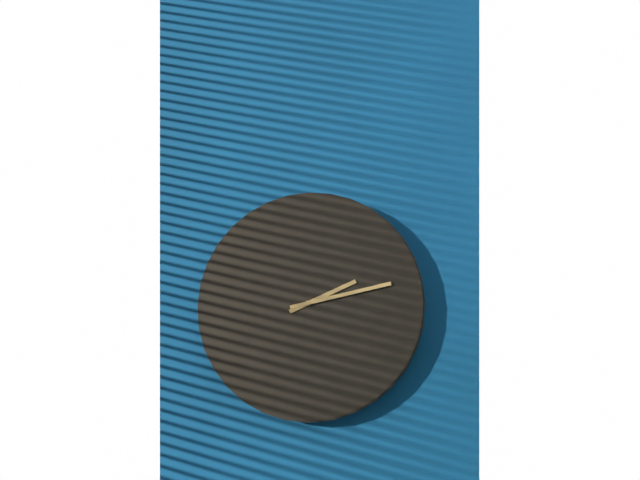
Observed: 2:13
